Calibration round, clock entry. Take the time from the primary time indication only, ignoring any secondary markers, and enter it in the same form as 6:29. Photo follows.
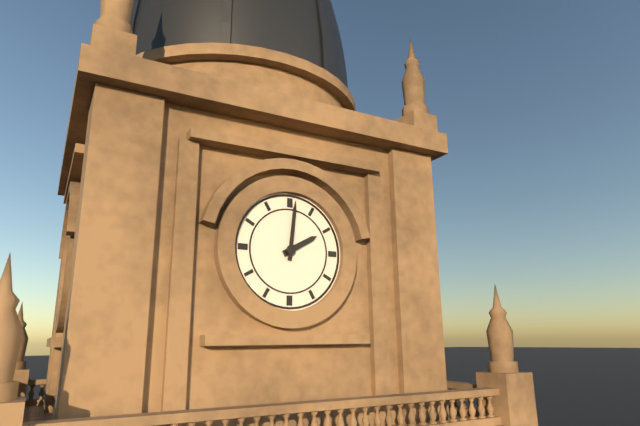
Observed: 2:01
